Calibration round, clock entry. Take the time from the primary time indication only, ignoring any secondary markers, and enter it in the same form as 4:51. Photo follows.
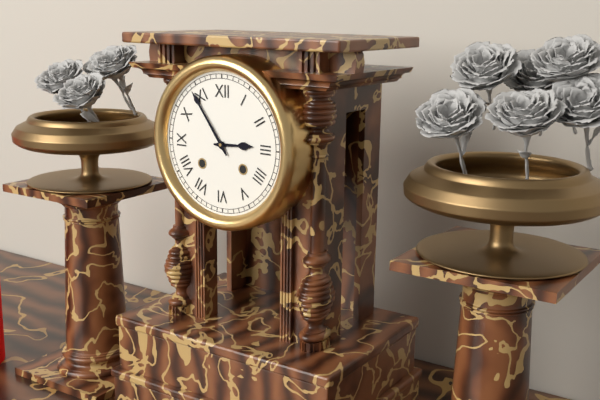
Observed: 2:54
